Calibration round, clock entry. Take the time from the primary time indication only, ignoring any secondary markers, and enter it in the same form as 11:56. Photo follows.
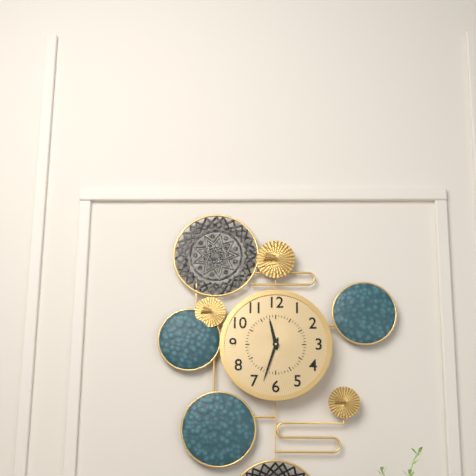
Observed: 11:33
